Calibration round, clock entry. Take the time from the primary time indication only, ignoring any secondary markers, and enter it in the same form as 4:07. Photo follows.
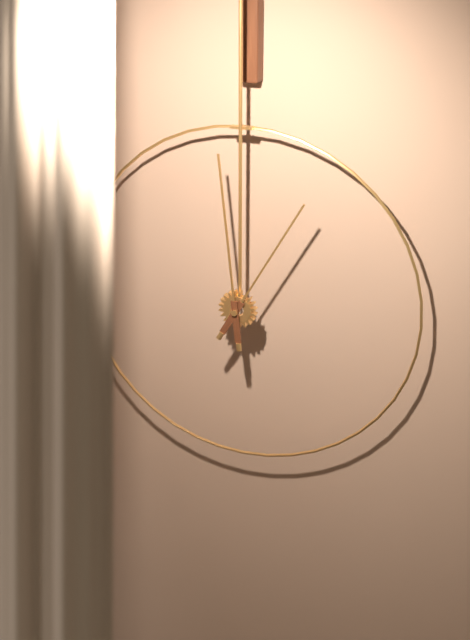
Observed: 12:59
